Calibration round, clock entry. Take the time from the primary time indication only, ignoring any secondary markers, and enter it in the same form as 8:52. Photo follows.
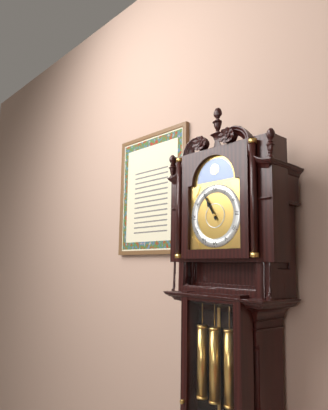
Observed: 10:55
